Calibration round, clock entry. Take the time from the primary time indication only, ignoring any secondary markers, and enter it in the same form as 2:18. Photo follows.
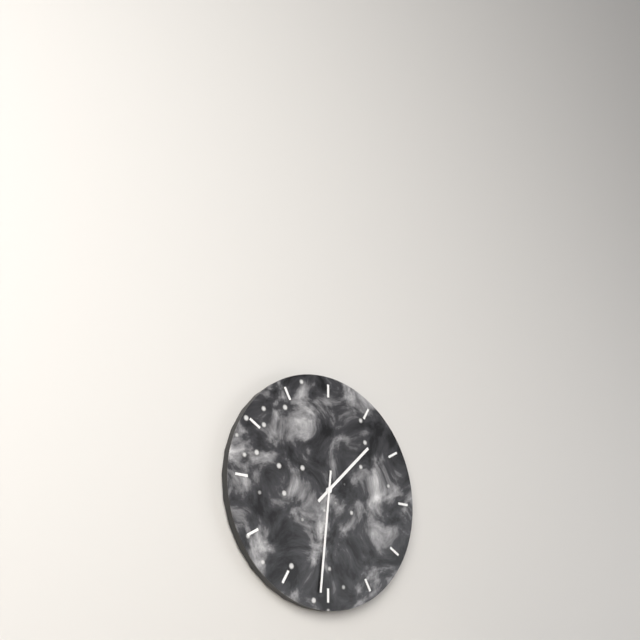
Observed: 1:31
